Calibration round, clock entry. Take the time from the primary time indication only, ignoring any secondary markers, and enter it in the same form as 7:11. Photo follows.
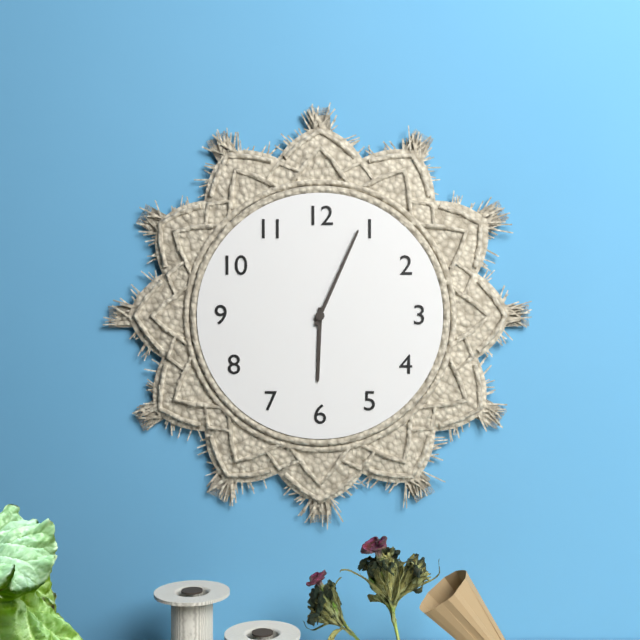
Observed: 6:04
